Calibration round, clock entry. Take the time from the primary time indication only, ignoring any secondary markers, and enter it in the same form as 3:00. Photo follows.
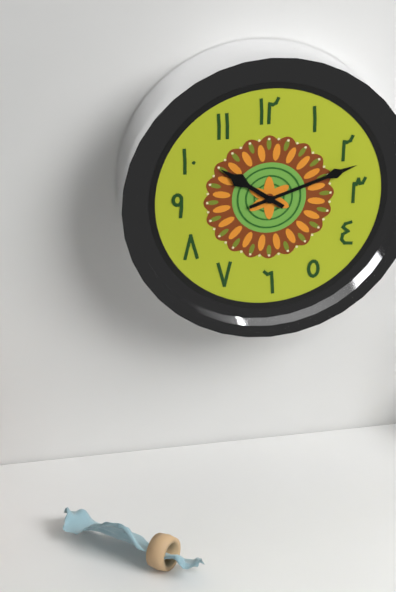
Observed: 10:12
